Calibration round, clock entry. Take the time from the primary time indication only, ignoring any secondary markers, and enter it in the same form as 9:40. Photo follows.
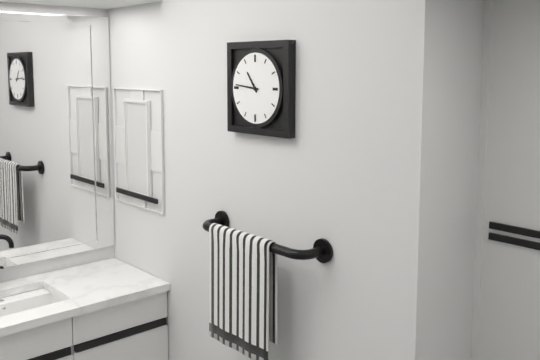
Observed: 10:46
